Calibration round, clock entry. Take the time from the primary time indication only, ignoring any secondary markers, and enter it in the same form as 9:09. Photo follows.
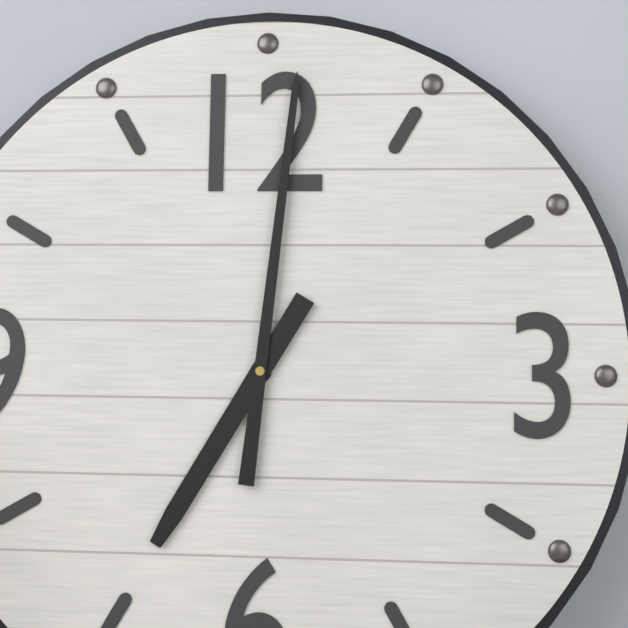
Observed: 7:01
